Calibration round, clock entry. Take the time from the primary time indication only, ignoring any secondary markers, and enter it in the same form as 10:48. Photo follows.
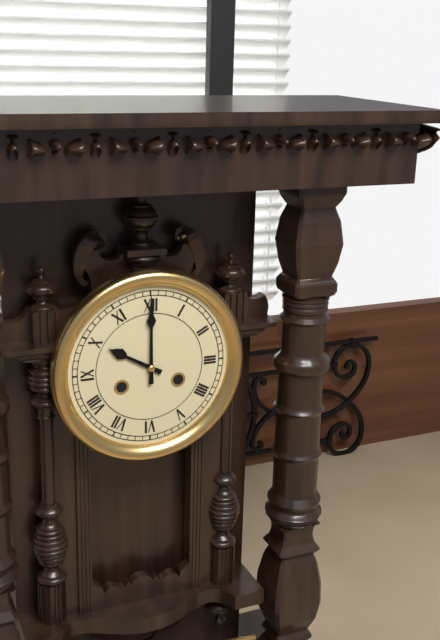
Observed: 10:00
